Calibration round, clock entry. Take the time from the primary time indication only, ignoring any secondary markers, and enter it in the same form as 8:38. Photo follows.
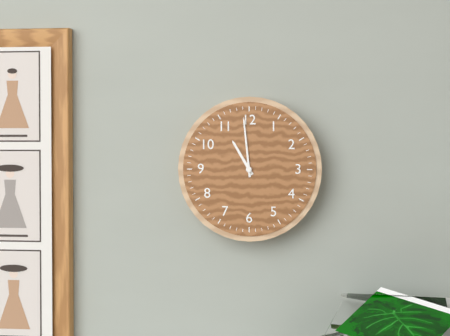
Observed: 10:59
